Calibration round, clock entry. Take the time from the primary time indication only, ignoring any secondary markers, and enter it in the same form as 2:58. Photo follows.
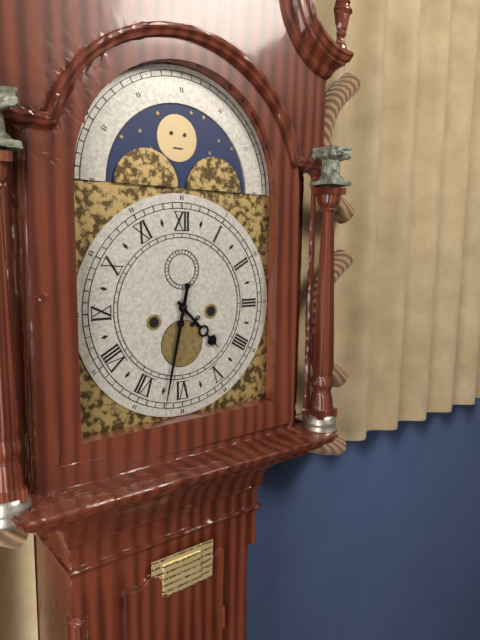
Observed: 4:32
